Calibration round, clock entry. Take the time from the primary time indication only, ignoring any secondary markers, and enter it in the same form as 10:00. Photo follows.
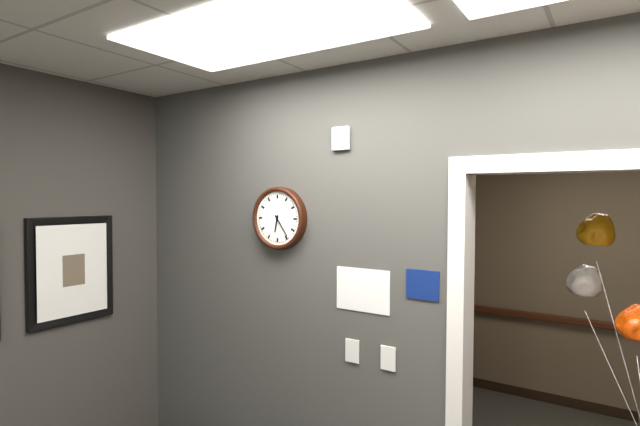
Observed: 6:24
